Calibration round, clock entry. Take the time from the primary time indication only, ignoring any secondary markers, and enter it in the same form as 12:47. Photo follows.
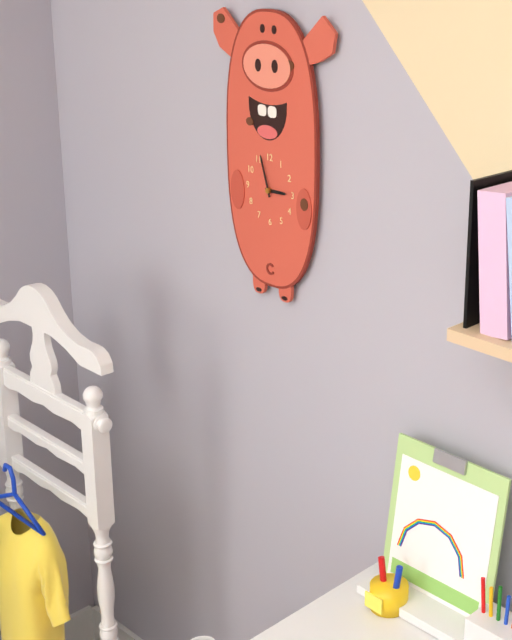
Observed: 2:57
